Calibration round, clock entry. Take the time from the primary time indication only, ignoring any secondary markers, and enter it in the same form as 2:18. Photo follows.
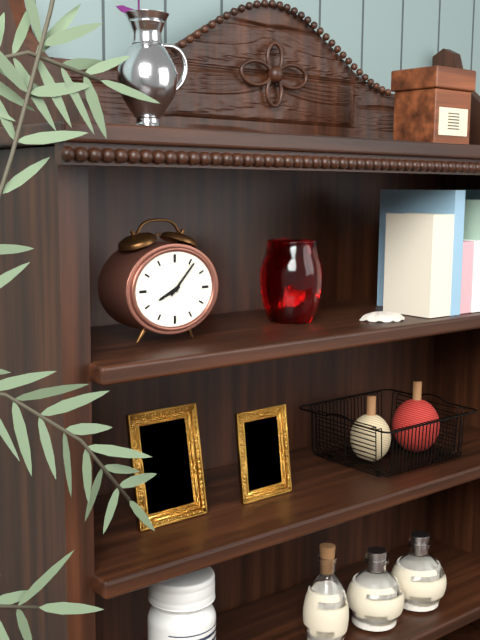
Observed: 8:07
